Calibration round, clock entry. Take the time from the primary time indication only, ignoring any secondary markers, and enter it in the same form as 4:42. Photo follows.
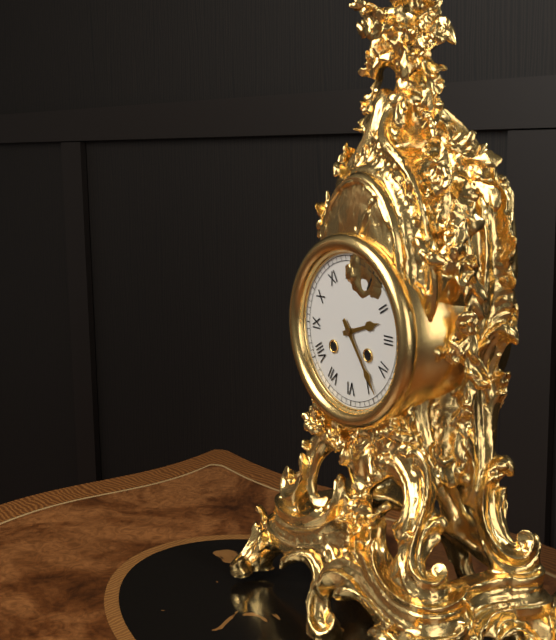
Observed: 2:24
